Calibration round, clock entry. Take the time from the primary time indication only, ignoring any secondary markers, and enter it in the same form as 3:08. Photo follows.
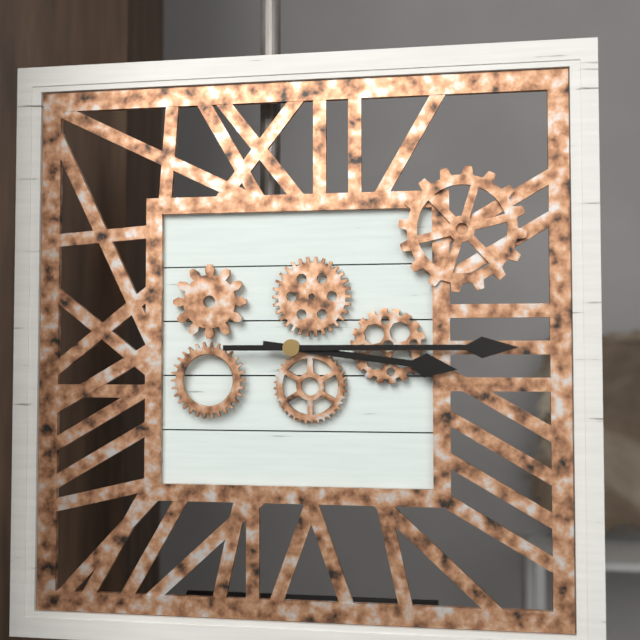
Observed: 3:15
